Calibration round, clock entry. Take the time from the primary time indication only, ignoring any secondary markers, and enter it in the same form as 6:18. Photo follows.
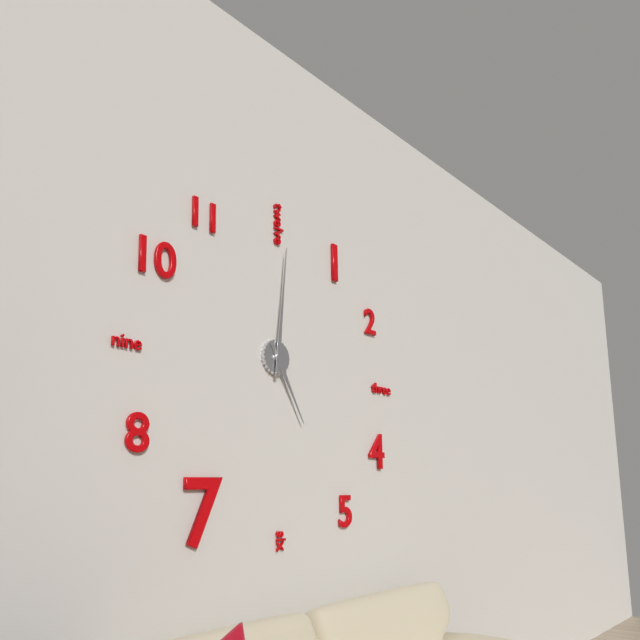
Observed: 5:01
